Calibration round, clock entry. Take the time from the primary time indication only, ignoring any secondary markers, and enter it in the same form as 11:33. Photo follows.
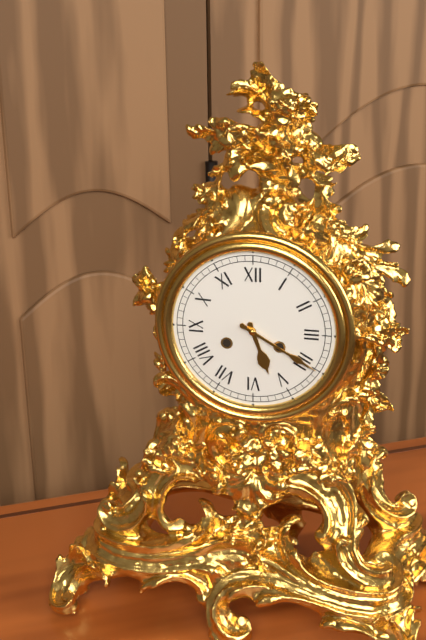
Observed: 5:20
